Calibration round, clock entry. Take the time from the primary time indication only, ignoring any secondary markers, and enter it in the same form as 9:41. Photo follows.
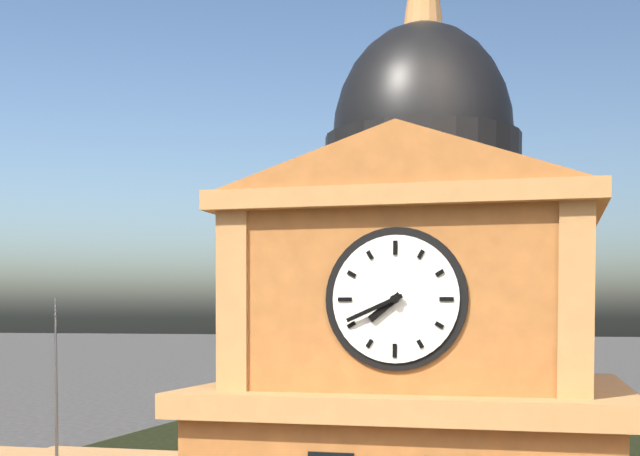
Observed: 7:41
